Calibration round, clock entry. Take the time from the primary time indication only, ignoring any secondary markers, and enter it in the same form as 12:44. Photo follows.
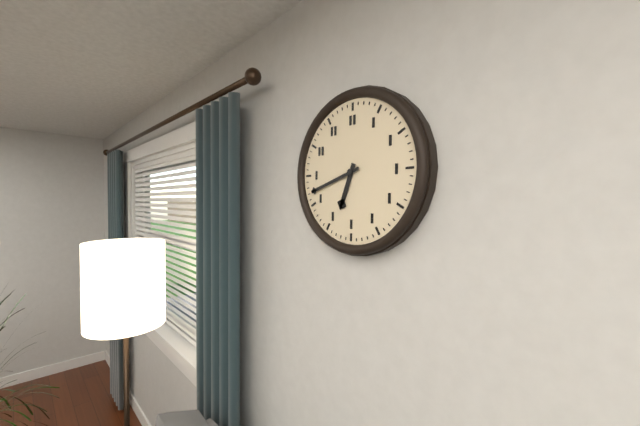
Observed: 6:42
